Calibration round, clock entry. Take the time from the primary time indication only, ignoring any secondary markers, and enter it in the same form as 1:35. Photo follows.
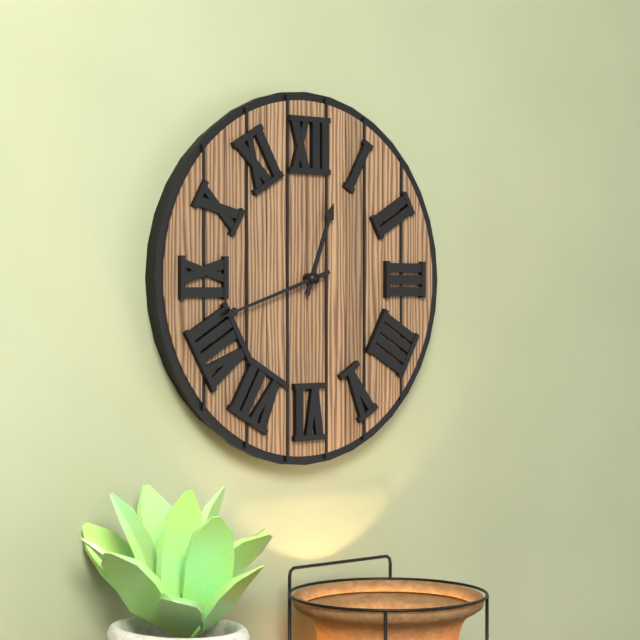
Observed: 12:42
